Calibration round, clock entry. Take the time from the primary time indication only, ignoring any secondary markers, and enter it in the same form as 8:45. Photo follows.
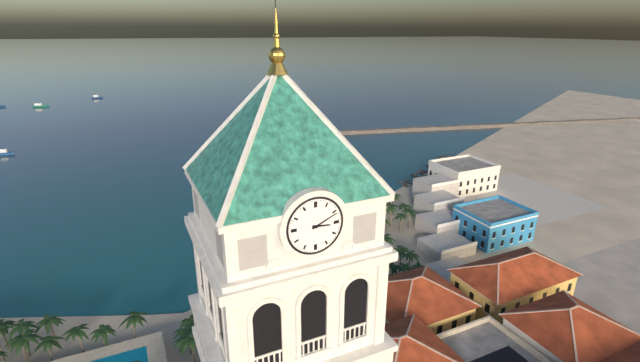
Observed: 3:11
